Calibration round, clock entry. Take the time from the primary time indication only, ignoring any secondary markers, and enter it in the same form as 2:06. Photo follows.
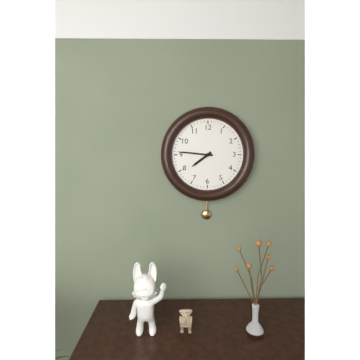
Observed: 7:46
